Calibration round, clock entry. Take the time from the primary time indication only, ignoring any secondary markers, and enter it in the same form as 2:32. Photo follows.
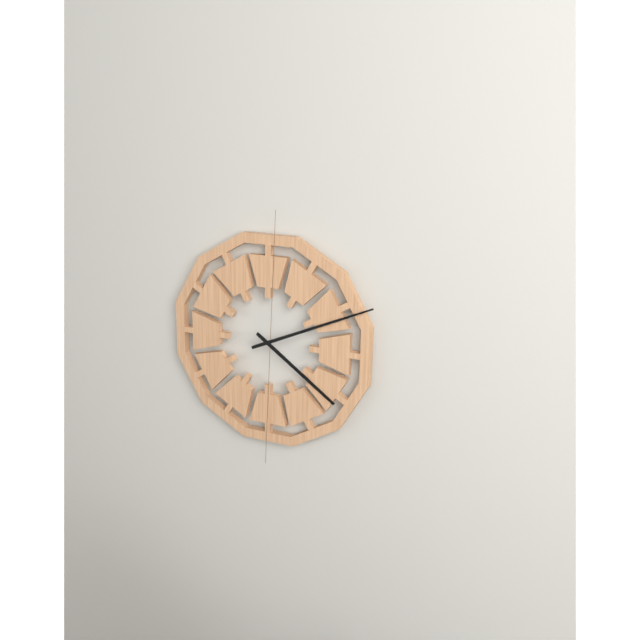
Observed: 4:11
